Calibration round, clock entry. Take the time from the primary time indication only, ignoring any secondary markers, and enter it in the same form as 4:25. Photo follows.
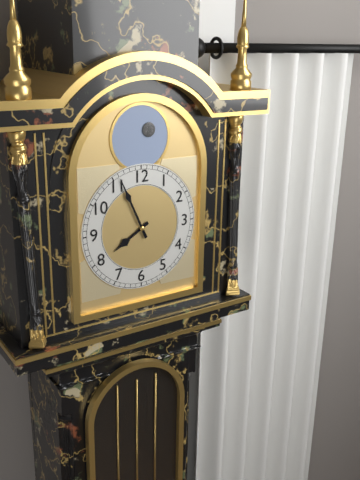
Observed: 7:56
